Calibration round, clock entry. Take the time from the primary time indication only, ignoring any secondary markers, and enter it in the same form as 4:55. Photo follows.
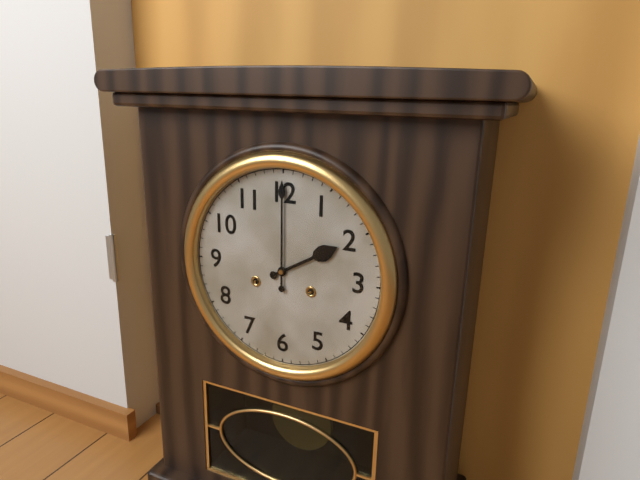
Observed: 2:00
